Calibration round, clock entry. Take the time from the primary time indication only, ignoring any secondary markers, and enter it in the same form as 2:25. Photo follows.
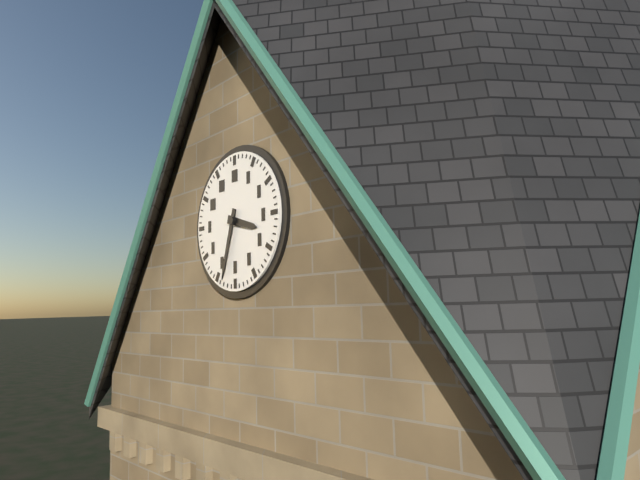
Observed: 3:33
